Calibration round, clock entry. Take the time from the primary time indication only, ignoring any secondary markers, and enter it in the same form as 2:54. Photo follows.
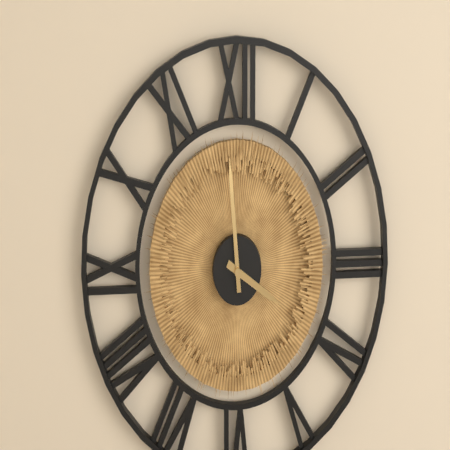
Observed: 3:59
